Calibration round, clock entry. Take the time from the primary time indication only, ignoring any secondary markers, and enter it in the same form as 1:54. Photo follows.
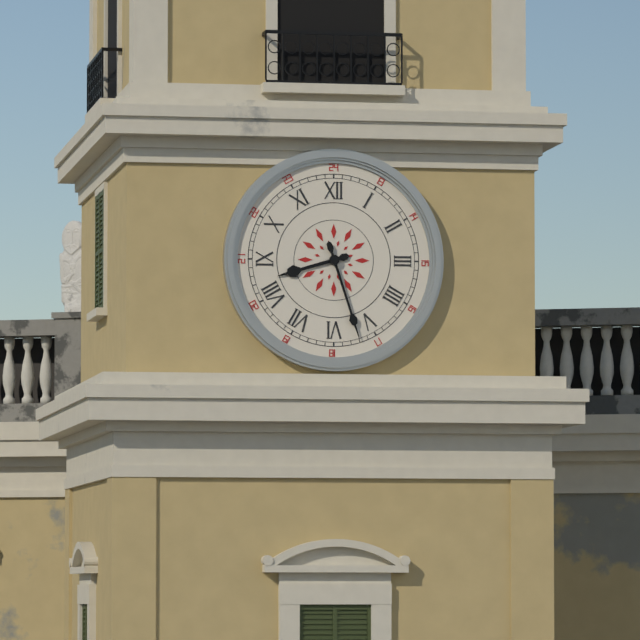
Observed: 8:27
